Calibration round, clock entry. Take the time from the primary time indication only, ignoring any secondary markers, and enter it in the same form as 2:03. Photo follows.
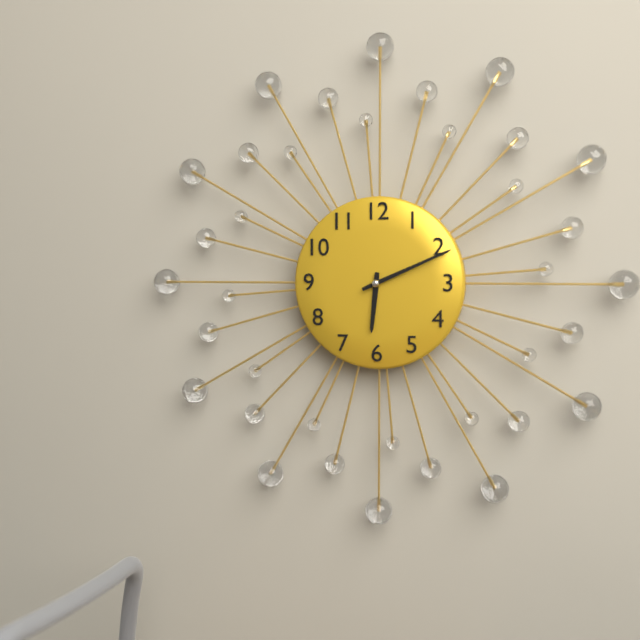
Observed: 6:11
